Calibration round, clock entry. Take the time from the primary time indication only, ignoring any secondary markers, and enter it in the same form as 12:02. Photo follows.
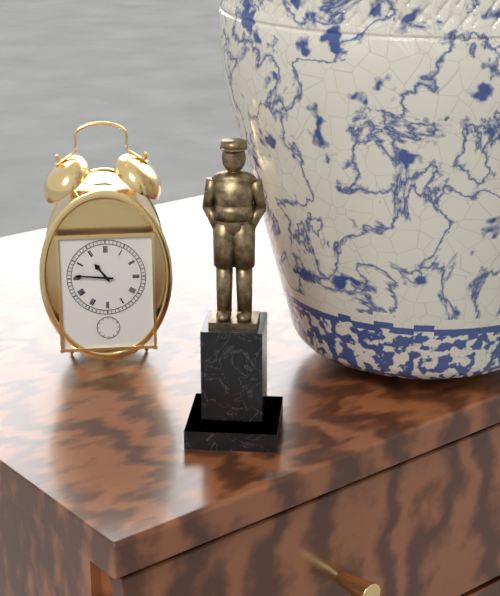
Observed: 10:46
